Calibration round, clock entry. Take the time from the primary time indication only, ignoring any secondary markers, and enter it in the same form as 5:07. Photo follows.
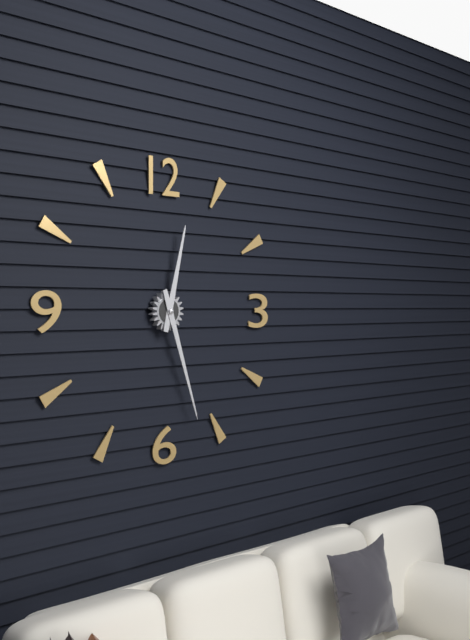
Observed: 12:27
